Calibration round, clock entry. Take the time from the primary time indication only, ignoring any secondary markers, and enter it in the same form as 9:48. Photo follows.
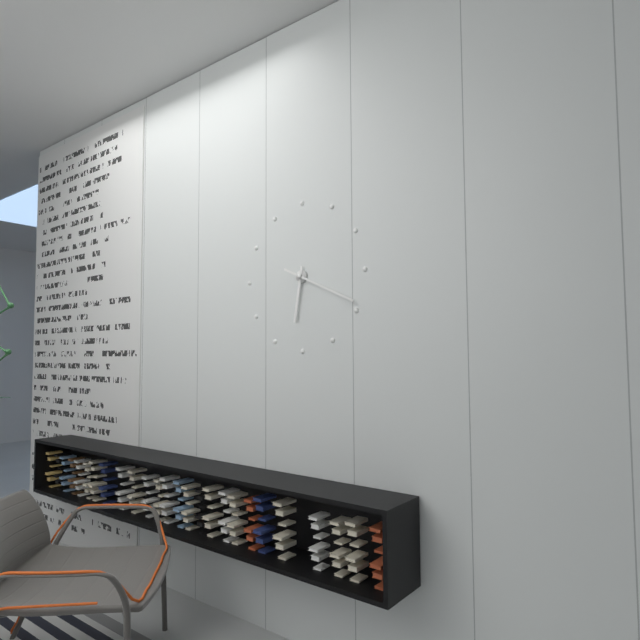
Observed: 6:19
